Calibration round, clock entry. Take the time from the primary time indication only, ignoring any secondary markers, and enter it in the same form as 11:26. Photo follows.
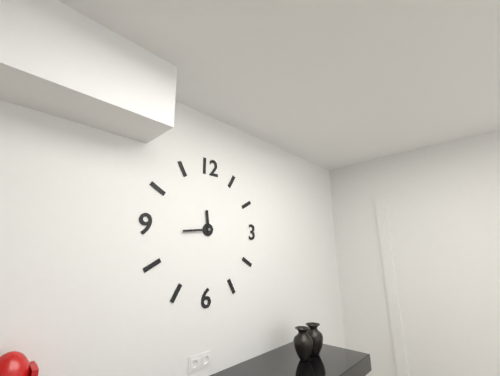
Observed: 11:44
